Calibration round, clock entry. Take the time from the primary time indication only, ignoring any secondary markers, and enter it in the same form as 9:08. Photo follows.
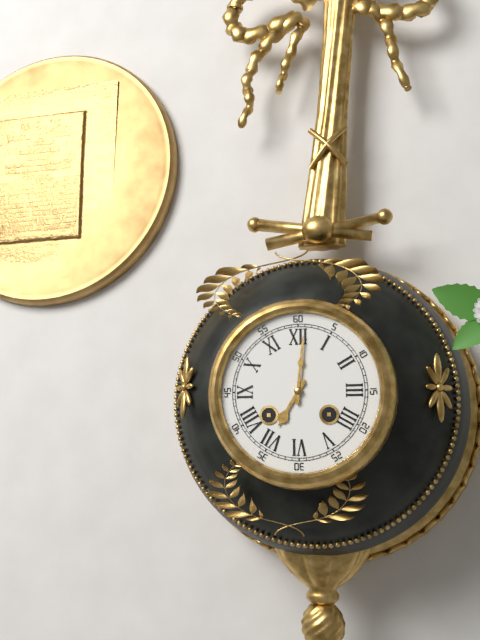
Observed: 7:01
